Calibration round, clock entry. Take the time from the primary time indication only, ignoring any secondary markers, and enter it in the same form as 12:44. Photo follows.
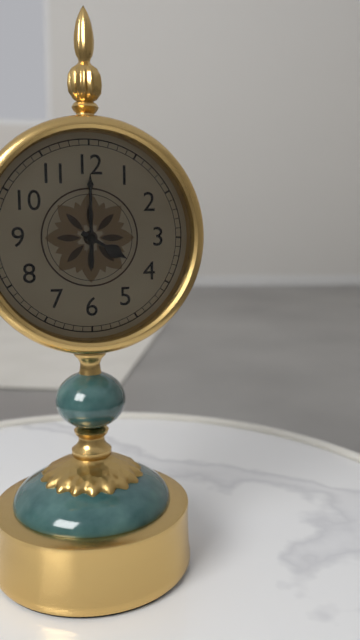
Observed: 4:00
